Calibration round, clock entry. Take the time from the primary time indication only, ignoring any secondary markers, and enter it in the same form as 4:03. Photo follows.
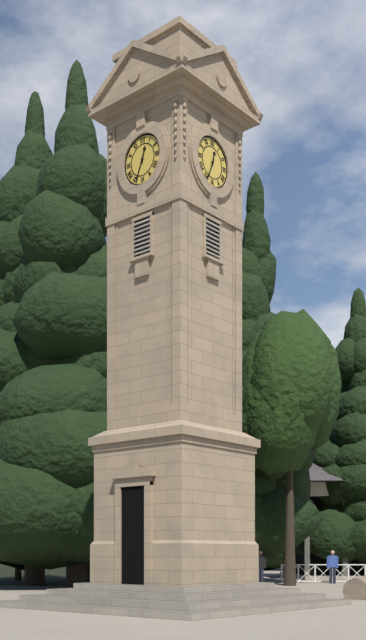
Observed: 12:34
